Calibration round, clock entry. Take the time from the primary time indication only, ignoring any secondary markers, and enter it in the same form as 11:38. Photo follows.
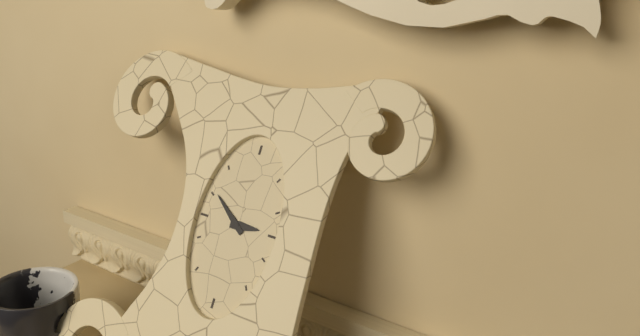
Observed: 2:51
